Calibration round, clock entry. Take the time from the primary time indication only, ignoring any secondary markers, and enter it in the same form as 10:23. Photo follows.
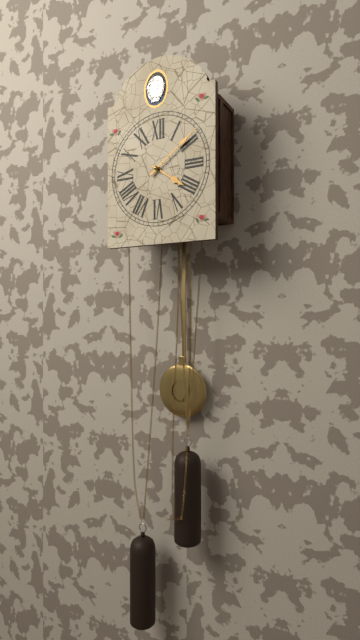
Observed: 4:09
